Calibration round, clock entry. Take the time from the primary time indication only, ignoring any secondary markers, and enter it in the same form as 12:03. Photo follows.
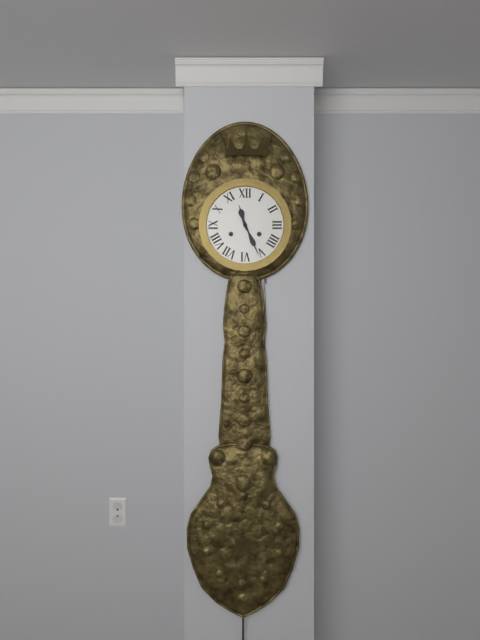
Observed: 11:26
